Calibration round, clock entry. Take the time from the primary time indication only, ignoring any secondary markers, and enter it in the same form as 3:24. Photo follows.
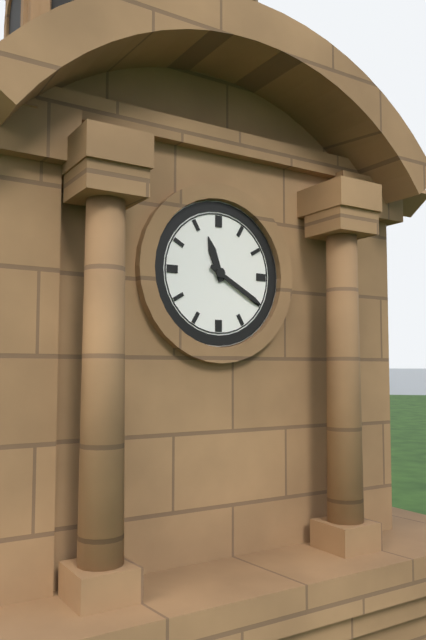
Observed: 11:20
